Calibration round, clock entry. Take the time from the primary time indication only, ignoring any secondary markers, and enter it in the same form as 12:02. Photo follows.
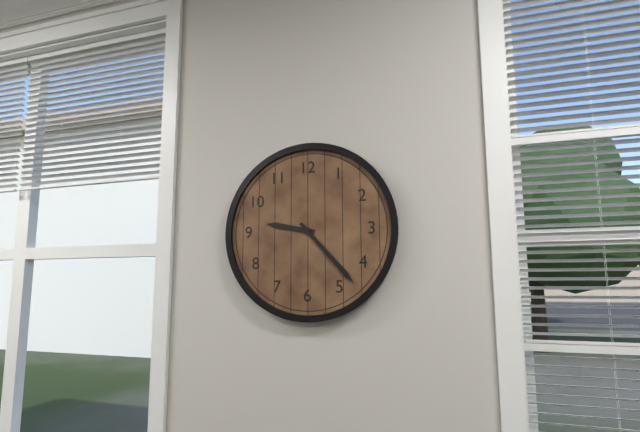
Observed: 9:23
